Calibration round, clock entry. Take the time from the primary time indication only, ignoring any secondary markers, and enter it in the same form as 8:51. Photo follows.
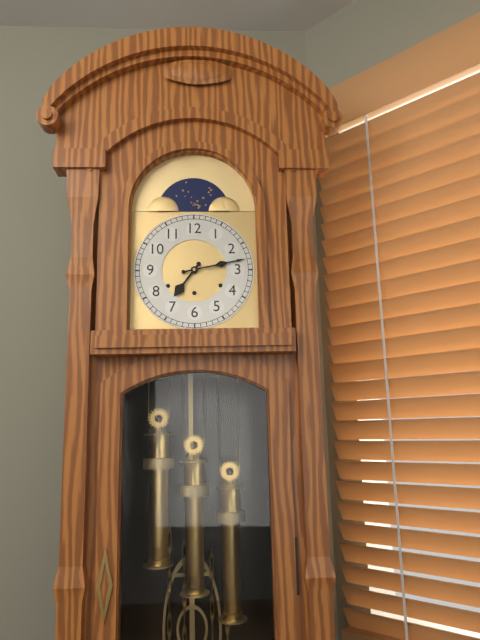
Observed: 7:13
